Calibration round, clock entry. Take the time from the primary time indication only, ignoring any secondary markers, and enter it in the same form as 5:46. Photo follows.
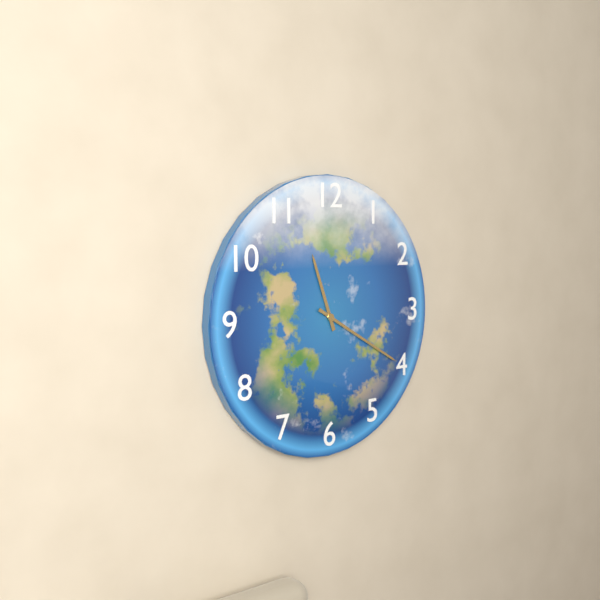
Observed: 11:20
